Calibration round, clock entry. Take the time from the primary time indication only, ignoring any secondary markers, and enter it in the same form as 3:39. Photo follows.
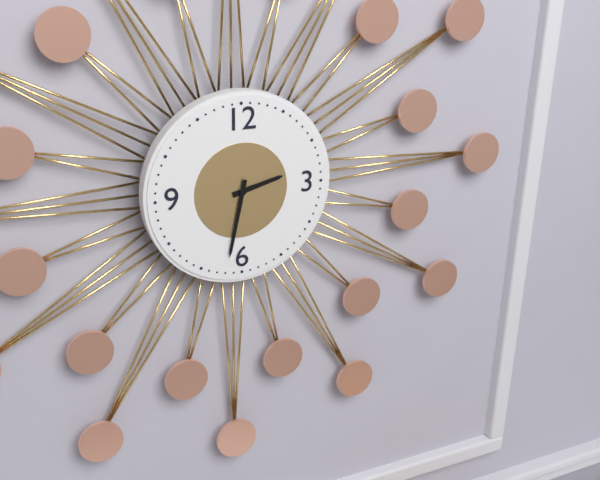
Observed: 2:32
